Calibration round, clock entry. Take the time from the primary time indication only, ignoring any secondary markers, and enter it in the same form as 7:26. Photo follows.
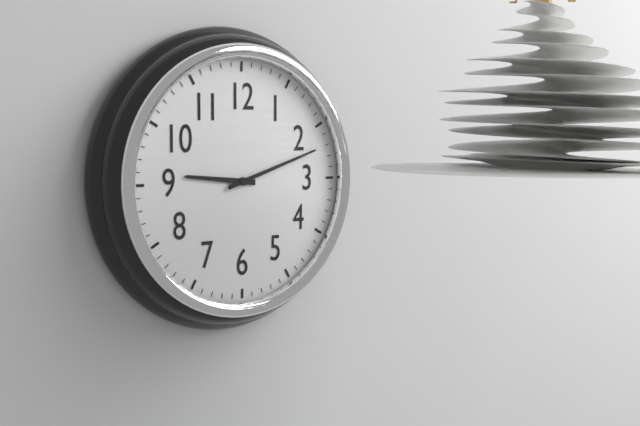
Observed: 9:12
